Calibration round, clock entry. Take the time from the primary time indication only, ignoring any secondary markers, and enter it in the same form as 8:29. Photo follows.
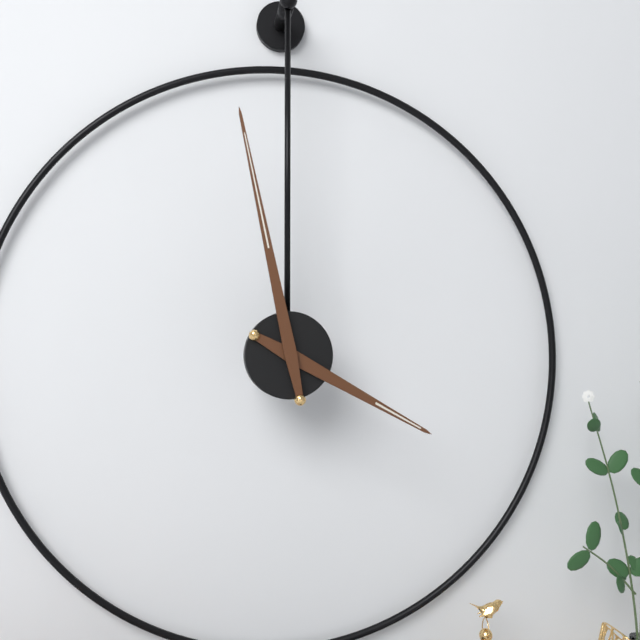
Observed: 3:58
